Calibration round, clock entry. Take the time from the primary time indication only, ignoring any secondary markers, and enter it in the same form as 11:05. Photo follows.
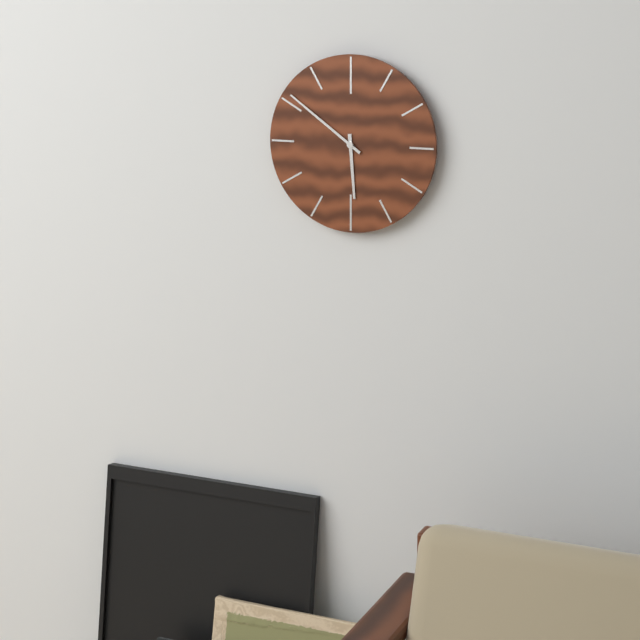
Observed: 5:51
